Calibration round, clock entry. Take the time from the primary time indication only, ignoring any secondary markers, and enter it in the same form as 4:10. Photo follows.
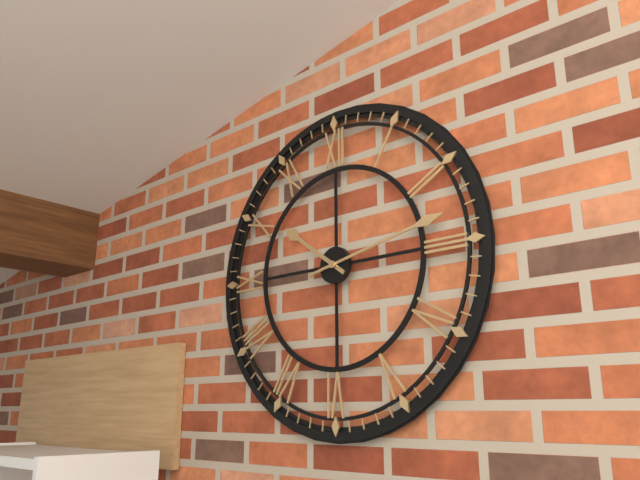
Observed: 10:13
